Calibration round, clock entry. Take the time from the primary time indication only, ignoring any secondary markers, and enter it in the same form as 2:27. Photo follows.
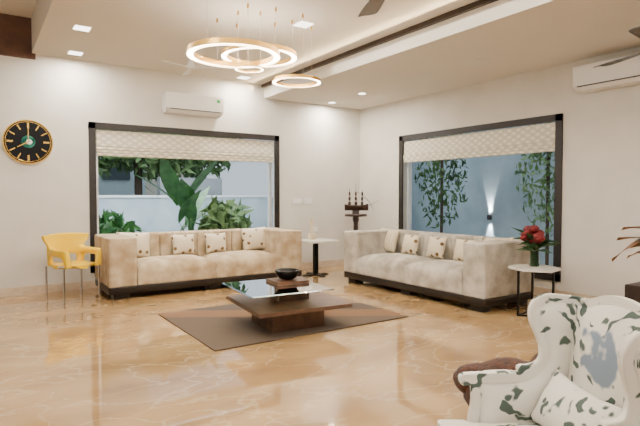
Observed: 8:00
